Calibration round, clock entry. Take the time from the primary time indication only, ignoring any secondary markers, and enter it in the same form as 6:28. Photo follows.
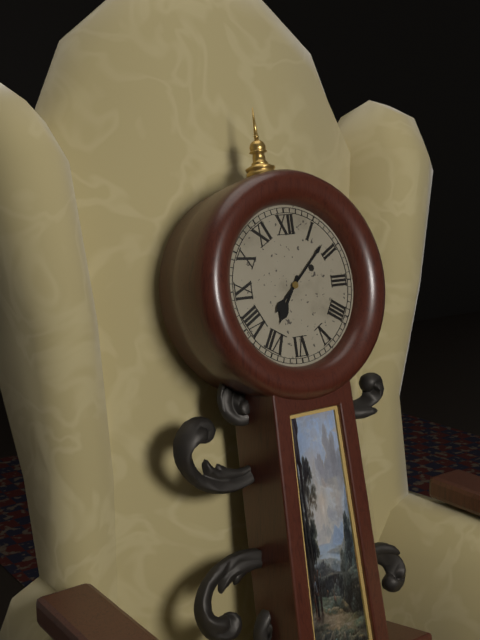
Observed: 7:08
